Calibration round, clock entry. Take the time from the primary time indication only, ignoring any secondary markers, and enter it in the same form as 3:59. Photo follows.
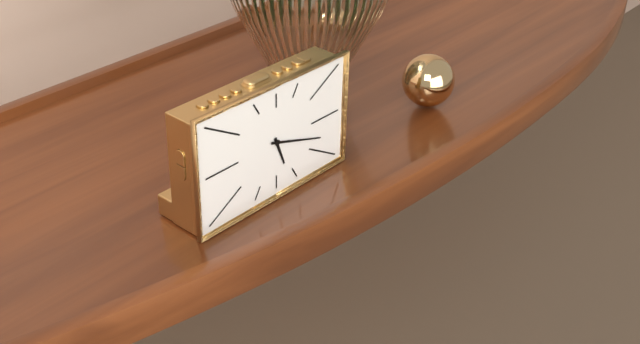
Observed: 5:18
